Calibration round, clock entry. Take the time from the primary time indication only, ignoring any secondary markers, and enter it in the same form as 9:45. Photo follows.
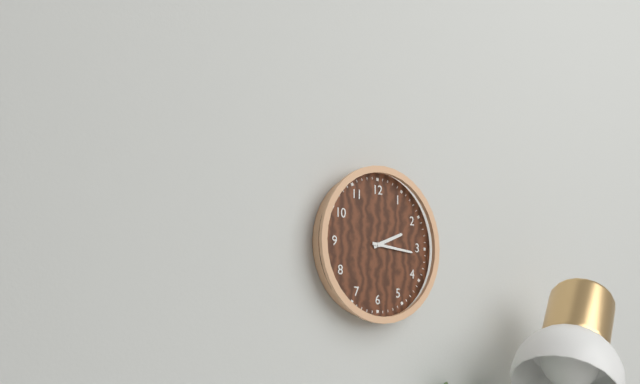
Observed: 2:16
